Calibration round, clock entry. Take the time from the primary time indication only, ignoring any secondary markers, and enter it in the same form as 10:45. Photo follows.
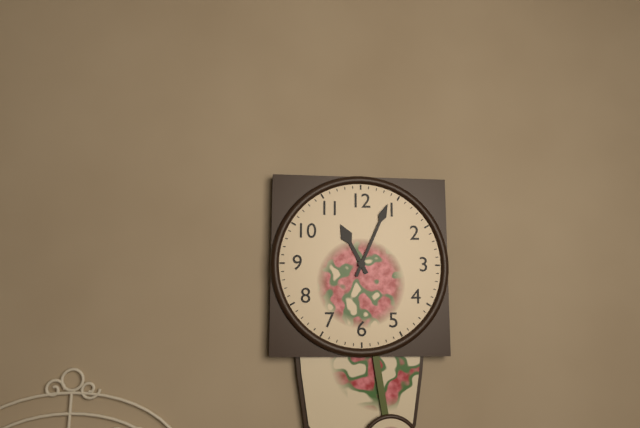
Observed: 11:04
